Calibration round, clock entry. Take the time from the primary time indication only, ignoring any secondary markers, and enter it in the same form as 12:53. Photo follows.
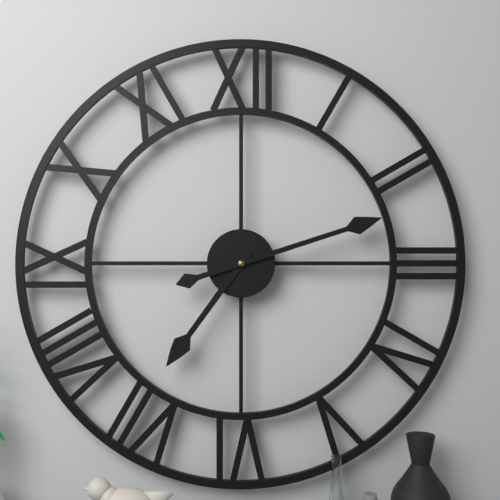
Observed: 7:12
